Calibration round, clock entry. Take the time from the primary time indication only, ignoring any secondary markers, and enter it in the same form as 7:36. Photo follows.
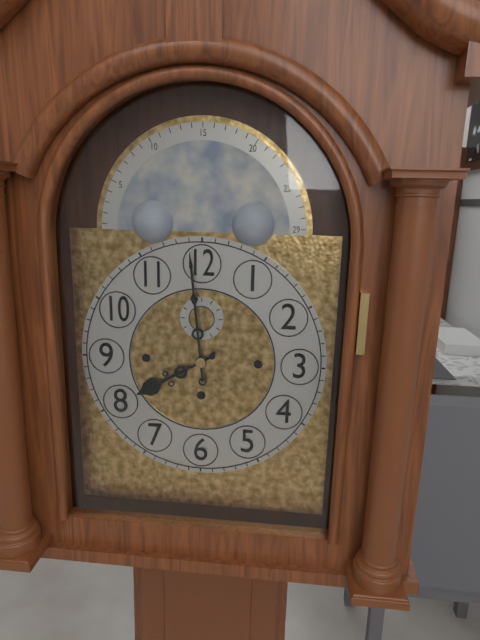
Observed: 7:59
